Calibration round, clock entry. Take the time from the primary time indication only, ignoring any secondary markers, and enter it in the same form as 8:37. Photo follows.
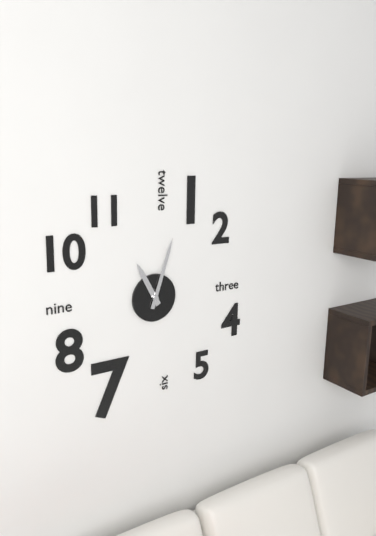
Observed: 11:03
